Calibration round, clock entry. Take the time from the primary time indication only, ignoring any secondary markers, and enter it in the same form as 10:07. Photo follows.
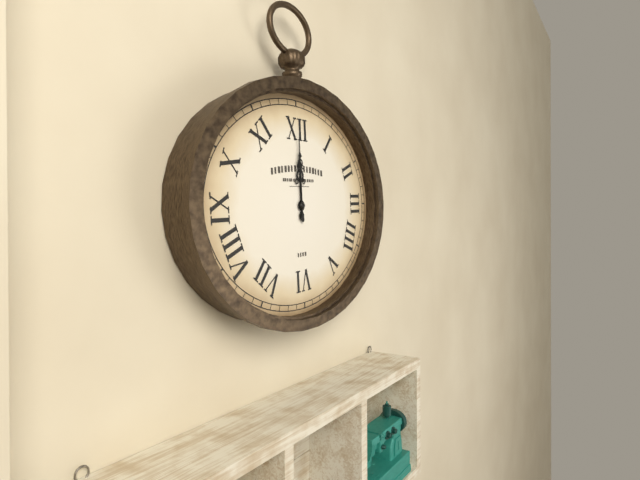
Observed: 12:00
